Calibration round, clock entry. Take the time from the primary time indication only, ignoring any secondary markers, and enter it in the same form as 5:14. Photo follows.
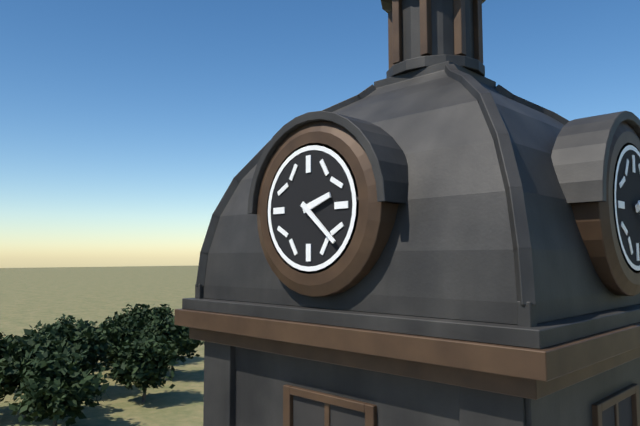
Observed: 2:22
